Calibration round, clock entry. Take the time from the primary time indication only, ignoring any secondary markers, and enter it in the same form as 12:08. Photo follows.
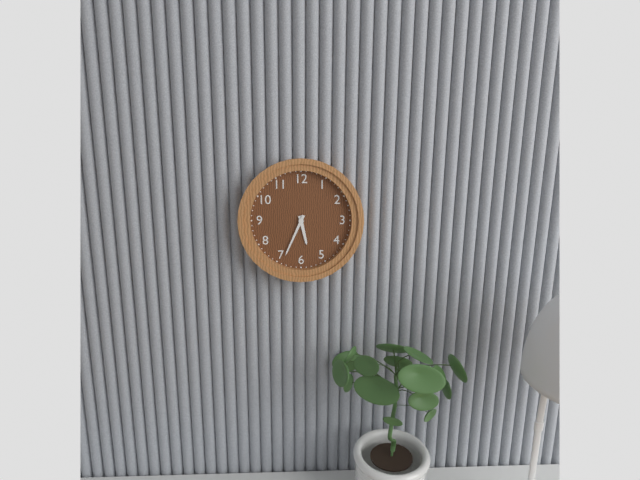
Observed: 5:34
